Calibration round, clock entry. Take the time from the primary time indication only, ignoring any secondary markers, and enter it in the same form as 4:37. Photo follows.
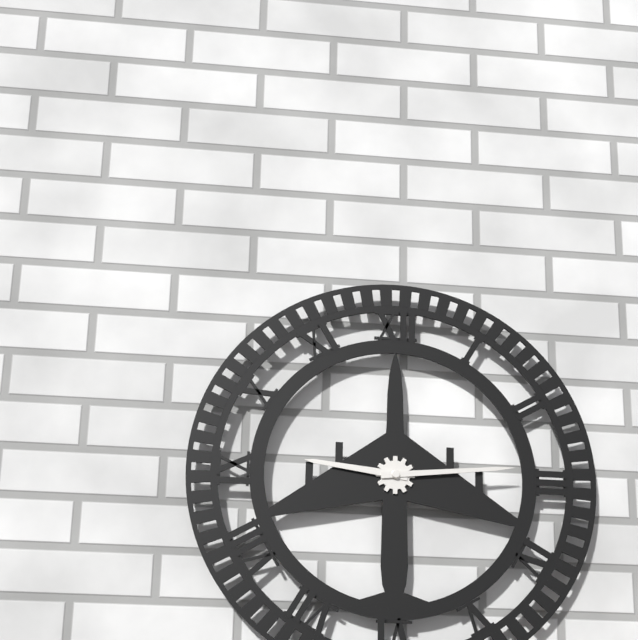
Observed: 9:14
